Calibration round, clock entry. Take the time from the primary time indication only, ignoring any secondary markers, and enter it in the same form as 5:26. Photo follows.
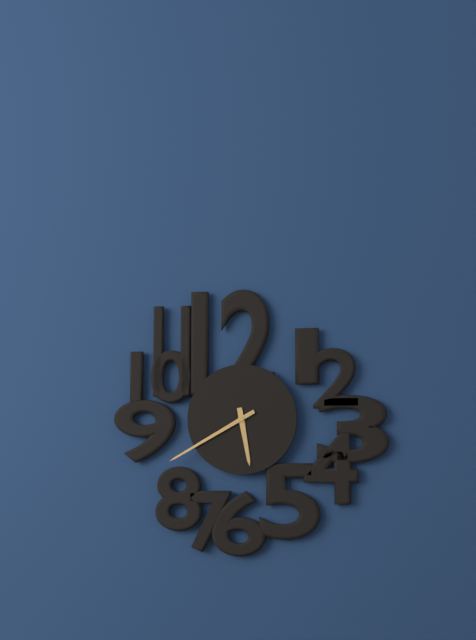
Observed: 5:40
